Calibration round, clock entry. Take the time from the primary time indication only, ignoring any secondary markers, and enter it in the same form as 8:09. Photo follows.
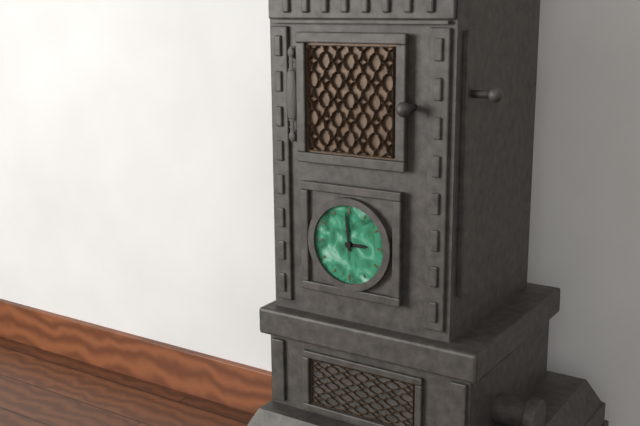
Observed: 2:59
